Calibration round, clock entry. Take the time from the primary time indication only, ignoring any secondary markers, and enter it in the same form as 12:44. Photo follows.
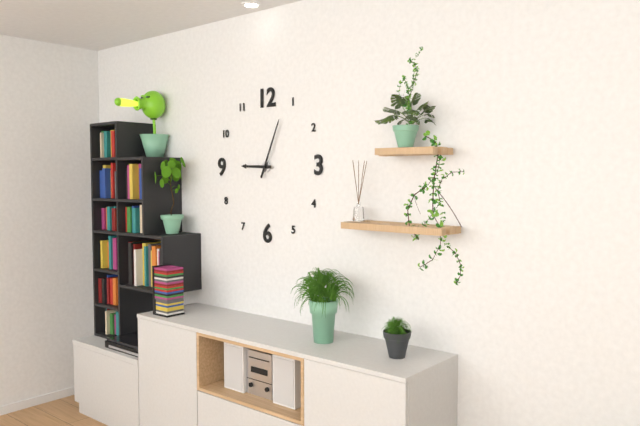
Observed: 9:04
